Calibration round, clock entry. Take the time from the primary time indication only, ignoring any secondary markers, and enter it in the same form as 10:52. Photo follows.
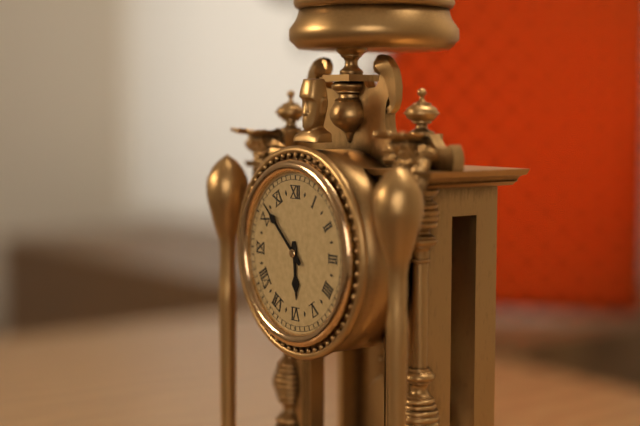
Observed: 5:52
